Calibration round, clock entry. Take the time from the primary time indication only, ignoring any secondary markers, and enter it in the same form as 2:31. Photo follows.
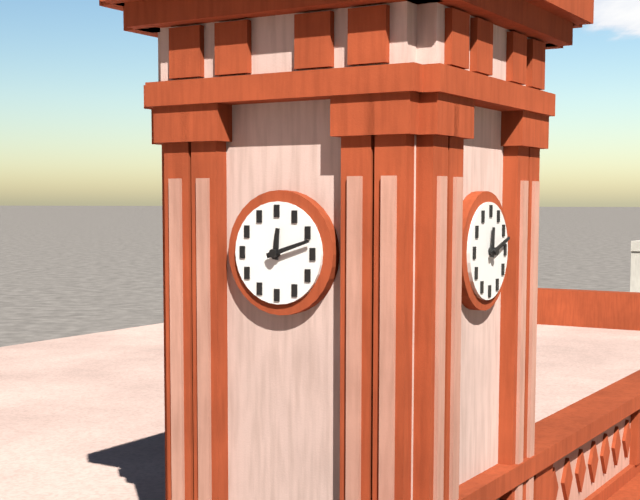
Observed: 12:12
